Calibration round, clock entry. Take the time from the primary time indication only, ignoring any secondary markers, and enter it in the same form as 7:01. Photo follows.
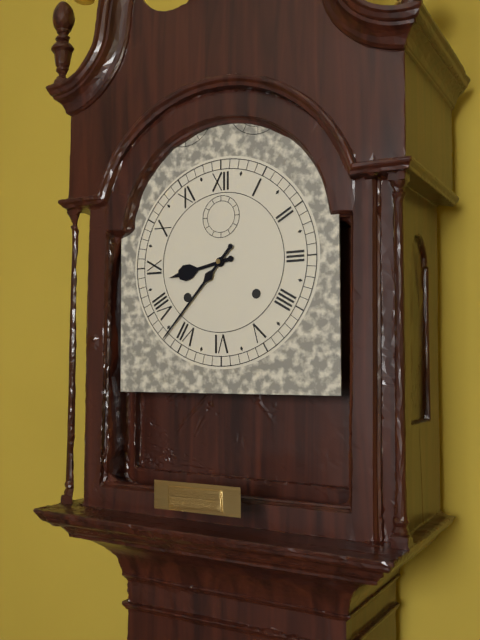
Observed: 8:37
